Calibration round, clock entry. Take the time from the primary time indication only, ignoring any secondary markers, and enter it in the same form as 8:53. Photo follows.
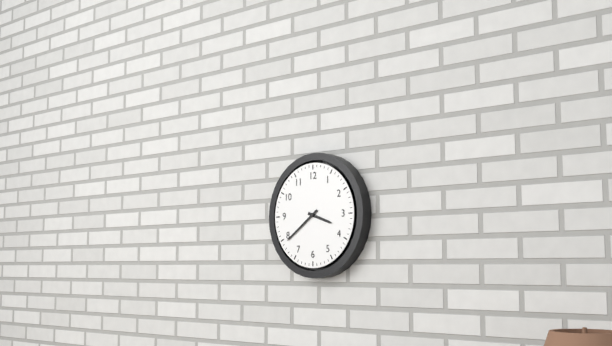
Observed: 3:39
